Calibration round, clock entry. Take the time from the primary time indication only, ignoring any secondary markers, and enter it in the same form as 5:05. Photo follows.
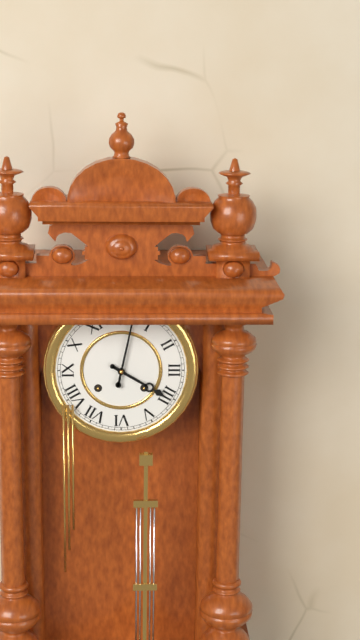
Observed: 4:02
